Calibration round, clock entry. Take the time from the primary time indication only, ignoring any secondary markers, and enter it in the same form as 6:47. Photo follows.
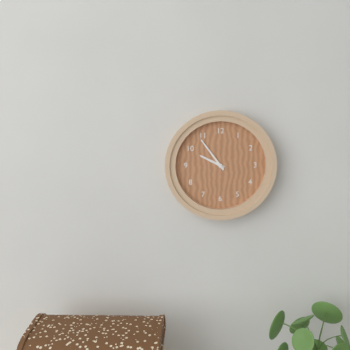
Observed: 9:54
